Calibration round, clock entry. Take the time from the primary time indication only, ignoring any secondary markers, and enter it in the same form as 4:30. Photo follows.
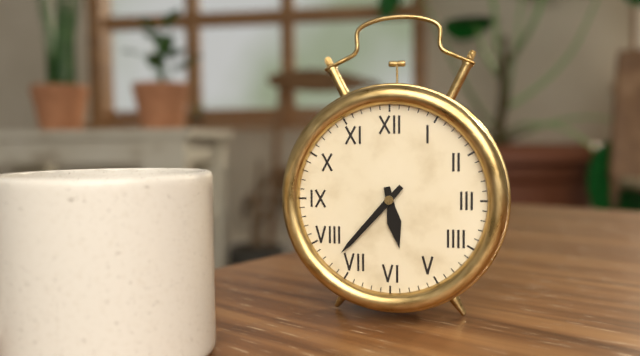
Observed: 5:37
